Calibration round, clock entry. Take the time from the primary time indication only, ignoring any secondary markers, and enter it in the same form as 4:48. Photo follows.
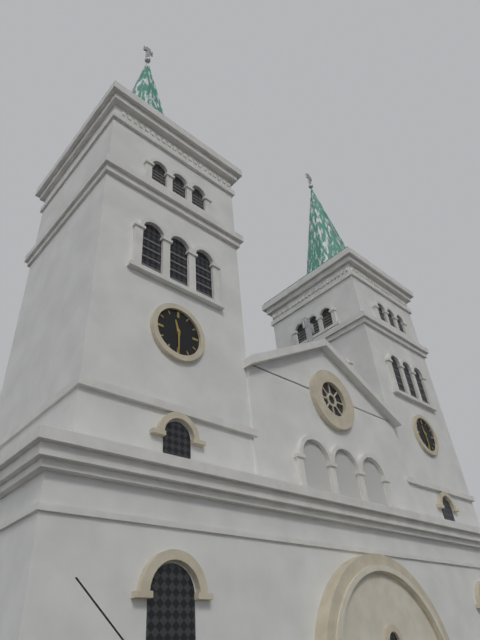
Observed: 11:30
